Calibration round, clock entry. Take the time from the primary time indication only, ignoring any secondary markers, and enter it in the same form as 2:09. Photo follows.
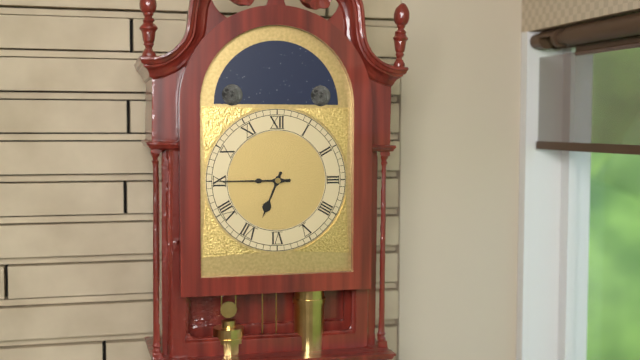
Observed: 6:45
